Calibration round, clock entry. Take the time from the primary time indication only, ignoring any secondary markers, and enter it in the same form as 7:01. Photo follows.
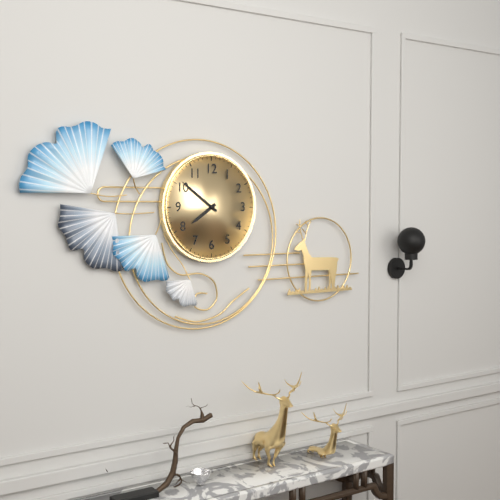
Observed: 7:51
